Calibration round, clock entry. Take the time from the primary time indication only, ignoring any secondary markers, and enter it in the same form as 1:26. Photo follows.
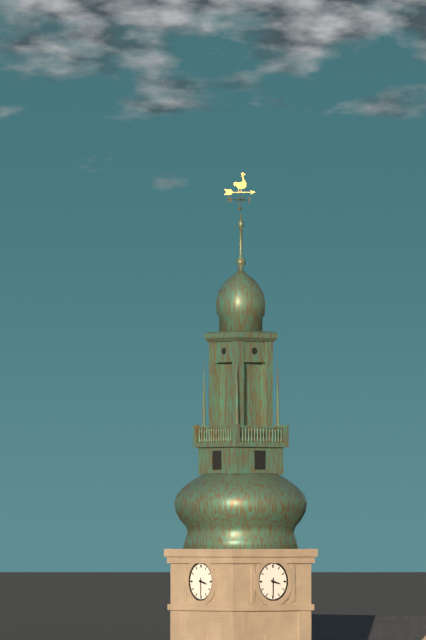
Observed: 3:30
